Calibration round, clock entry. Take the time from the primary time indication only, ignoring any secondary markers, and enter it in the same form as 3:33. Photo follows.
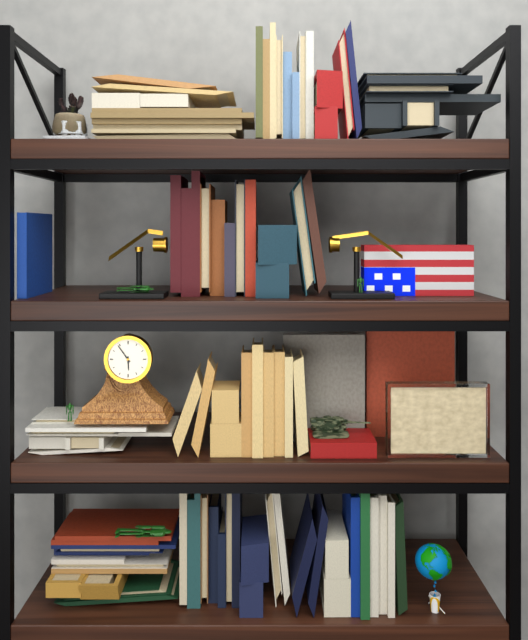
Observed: 5:54
